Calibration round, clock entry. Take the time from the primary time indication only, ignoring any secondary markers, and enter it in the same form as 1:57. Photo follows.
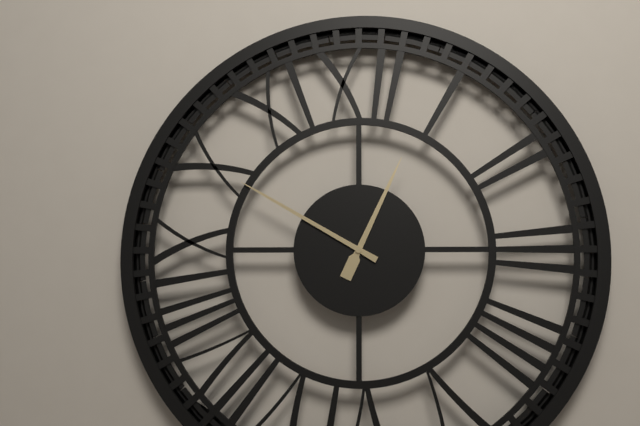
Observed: 12:50
